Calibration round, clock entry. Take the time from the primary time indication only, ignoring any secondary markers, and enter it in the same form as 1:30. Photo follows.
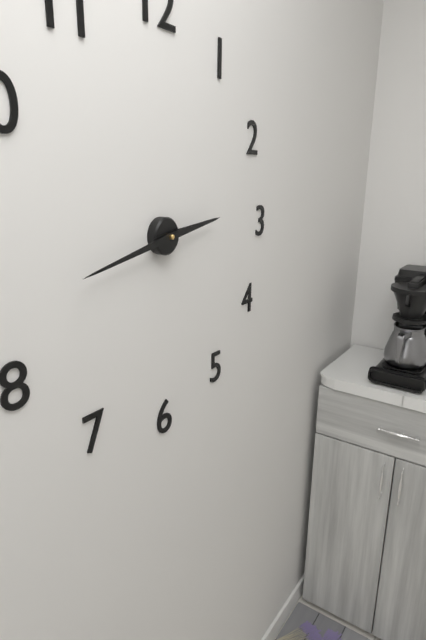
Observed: 2:43
